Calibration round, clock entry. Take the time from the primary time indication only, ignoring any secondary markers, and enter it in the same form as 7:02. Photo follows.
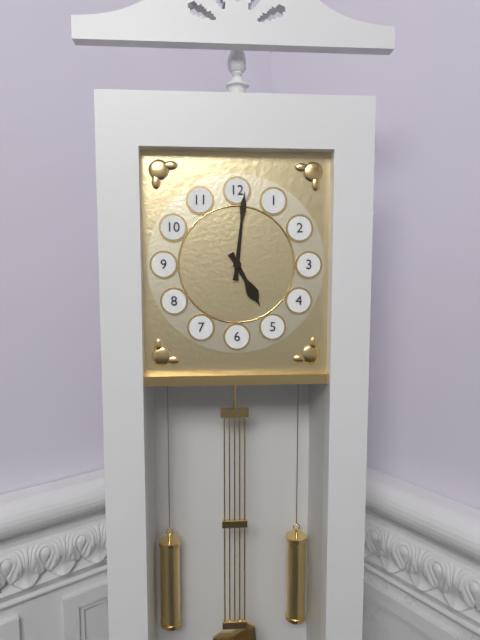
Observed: 5:01
